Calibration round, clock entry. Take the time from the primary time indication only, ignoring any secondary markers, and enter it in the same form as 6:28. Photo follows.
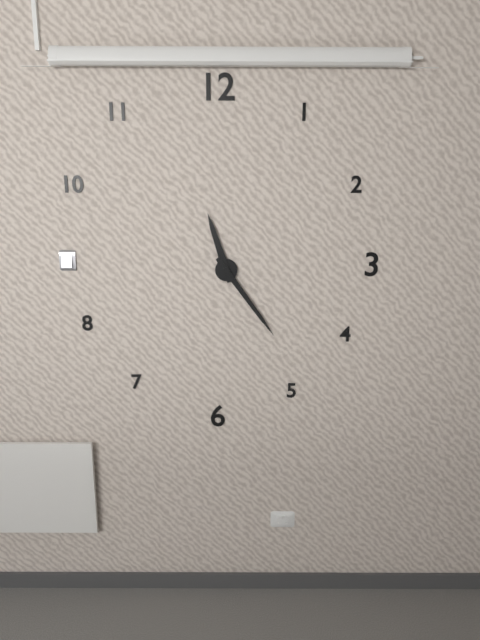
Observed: 11:24
